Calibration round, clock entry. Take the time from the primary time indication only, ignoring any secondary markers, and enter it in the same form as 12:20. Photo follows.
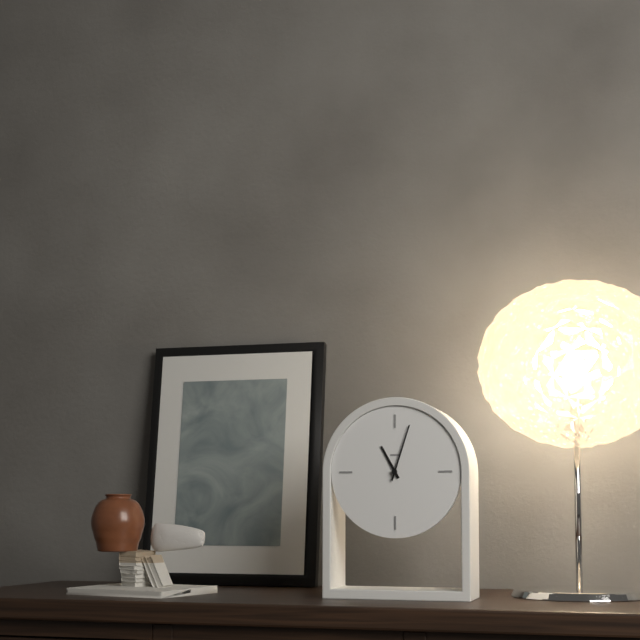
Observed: 11:03
